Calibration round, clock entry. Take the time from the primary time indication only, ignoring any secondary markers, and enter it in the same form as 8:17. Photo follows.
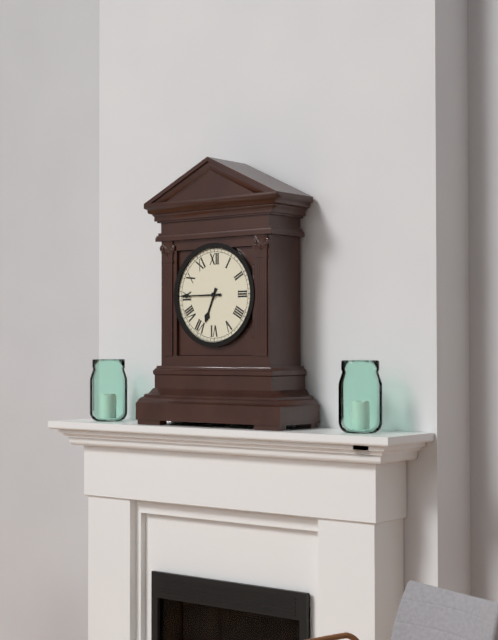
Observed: 6:45
